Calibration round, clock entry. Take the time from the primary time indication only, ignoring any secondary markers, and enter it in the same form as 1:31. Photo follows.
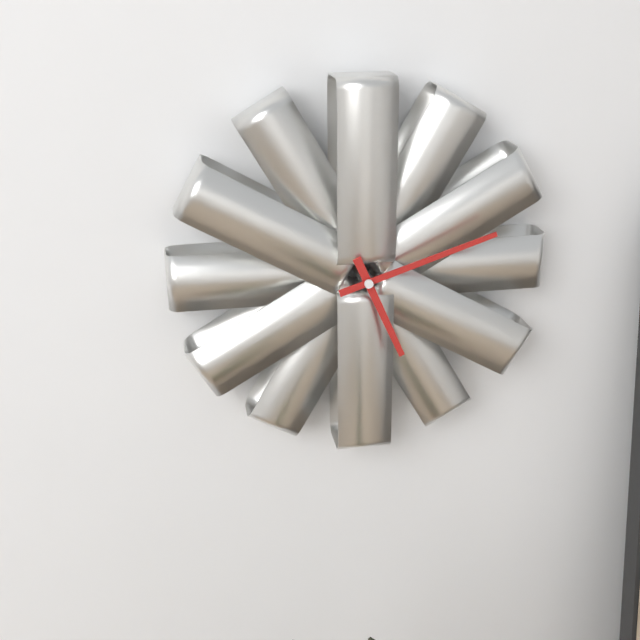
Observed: 5:12
